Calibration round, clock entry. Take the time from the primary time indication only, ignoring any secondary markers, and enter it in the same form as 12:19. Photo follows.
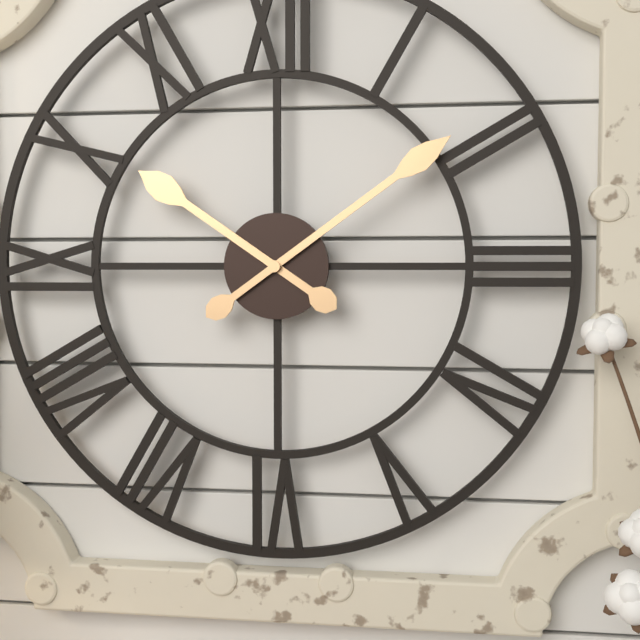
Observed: 10:09
